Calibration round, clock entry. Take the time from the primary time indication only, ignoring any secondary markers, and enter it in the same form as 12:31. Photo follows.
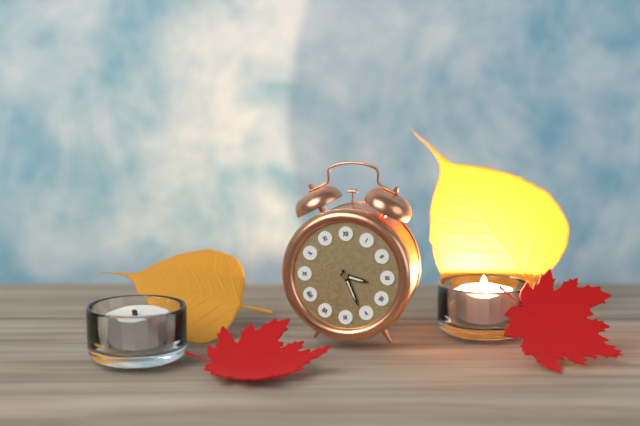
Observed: 3:26
